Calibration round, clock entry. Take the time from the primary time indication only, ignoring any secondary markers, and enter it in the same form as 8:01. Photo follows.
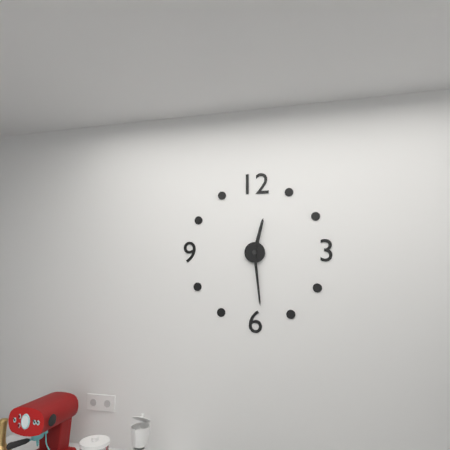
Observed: 12:29
